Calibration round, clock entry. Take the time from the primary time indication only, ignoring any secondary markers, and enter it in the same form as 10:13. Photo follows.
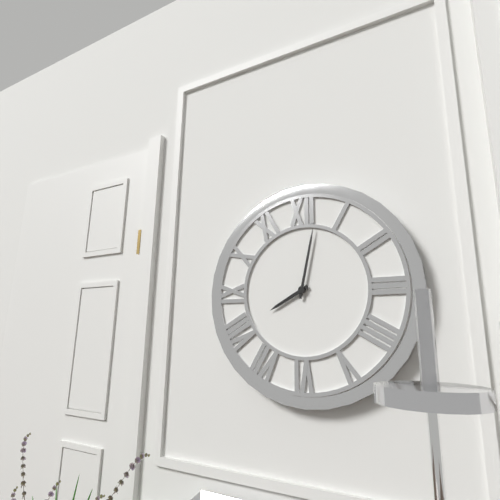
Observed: 8:02
